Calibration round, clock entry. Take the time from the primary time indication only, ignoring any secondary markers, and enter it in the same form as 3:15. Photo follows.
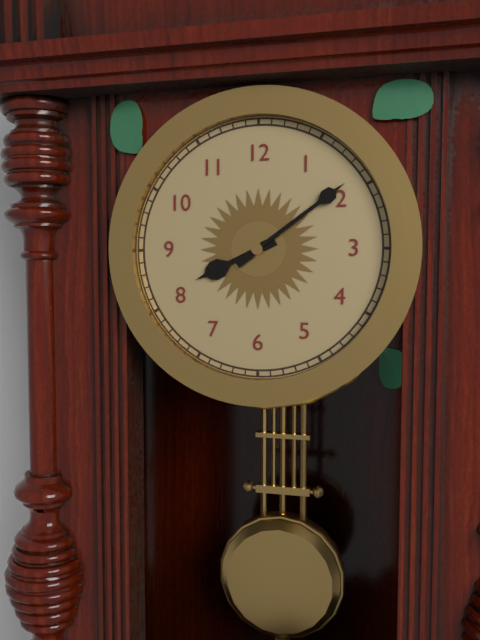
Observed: 8:09
